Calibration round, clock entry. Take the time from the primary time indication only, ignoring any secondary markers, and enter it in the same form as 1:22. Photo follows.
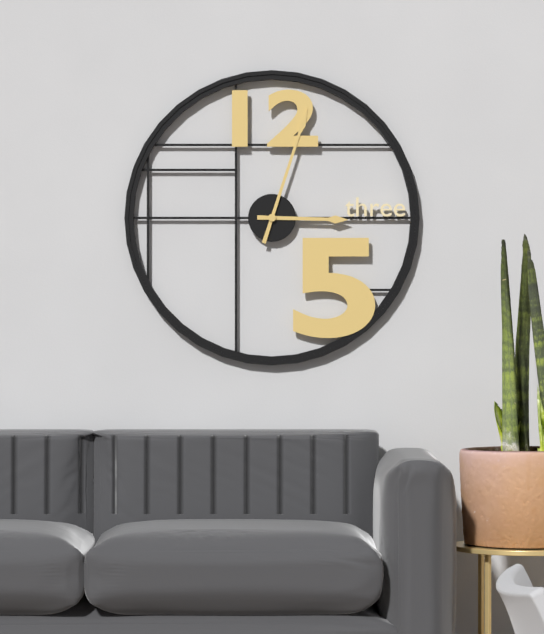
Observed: 3:03
